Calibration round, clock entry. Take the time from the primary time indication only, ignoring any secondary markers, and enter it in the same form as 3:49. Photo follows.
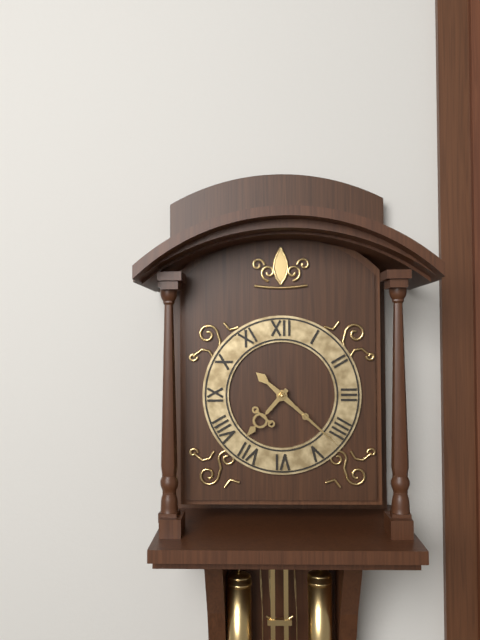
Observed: 7:22
